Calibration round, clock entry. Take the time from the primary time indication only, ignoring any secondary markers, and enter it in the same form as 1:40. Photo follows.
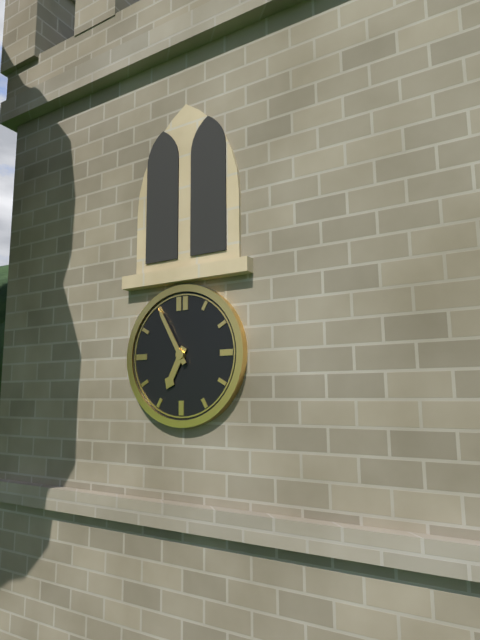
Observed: 6:55
